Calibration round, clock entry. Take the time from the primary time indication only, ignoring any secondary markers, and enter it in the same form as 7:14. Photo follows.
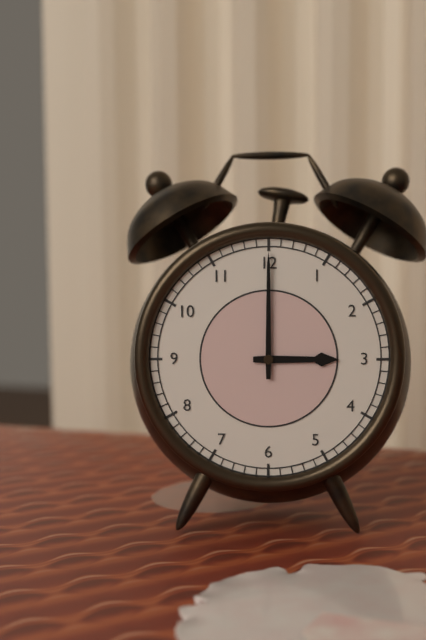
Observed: 3:00
